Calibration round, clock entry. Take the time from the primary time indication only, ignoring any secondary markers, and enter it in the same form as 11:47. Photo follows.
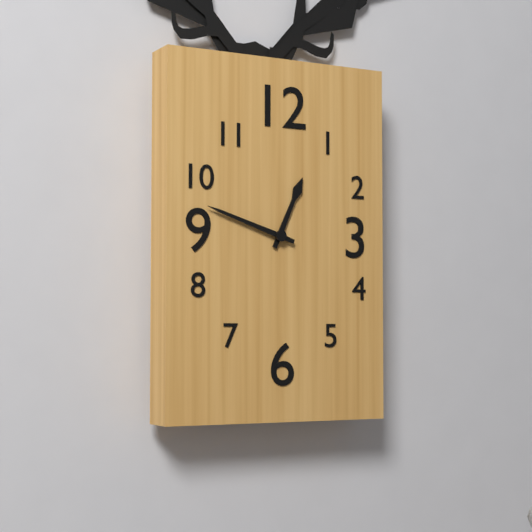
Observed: 12:48
